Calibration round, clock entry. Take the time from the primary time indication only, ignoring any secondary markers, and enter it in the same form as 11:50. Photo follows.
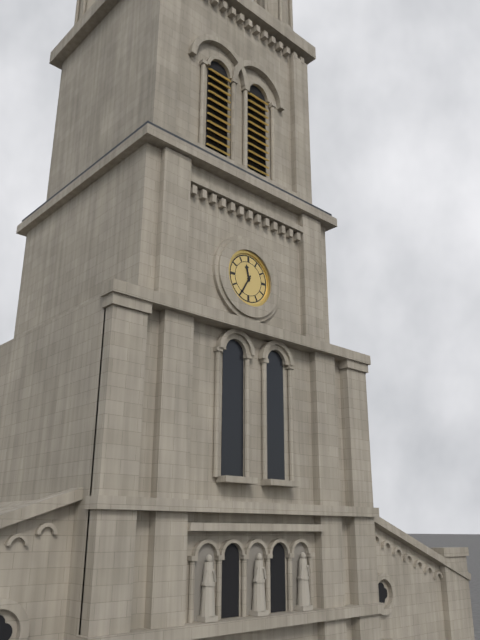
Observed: 11:35
